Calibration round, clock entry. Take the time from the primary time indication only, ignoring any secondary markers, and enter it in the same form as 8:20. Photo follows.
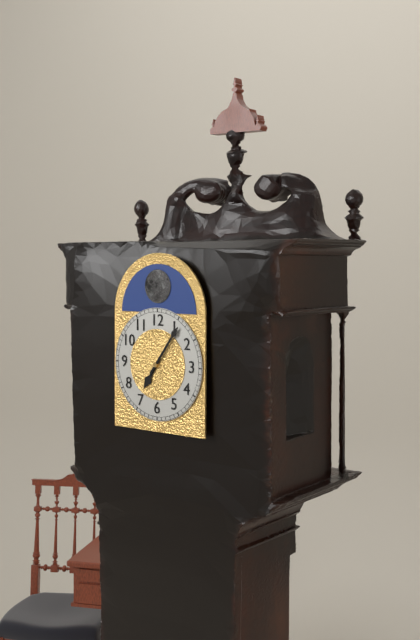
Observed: 7:06
